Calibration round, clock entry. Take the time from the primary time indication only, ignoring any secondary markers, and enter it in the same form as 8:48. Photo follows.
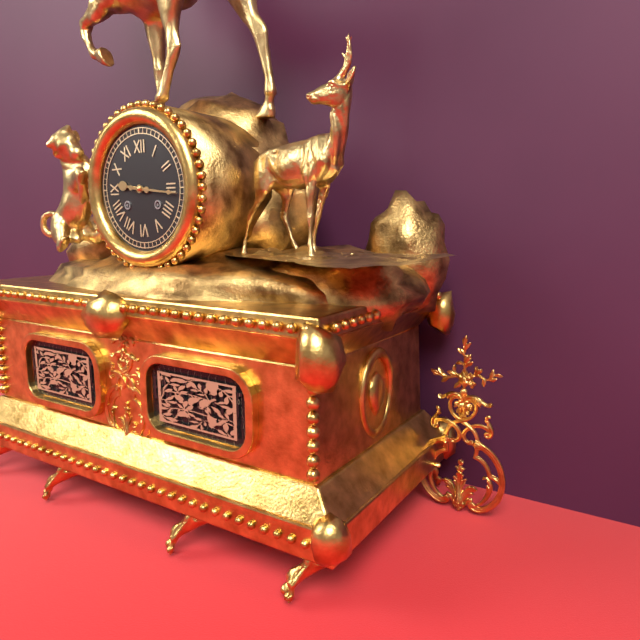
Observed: 9:16
